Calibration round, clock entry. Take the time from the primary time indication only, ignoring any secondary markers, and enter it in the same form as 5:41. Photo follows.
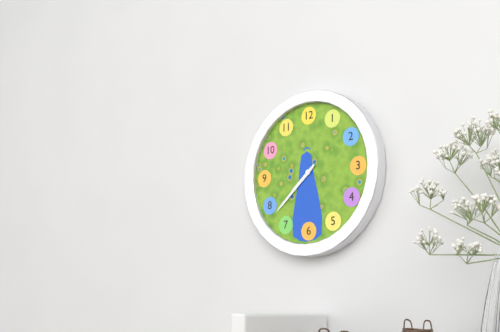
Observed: 7:38
